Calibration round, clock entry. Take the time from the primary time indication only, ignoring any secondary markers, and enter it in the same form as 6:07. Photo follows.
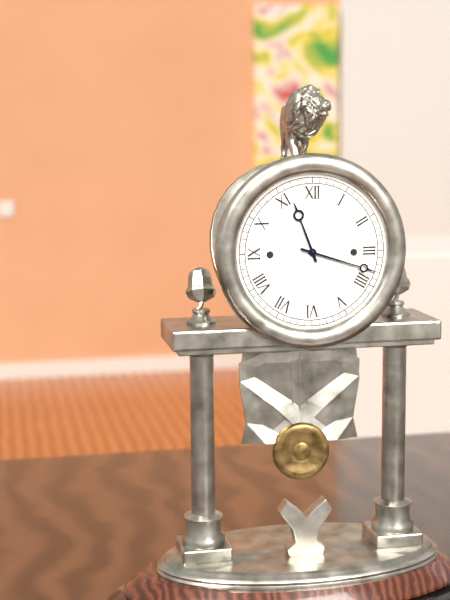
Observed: 11:18
